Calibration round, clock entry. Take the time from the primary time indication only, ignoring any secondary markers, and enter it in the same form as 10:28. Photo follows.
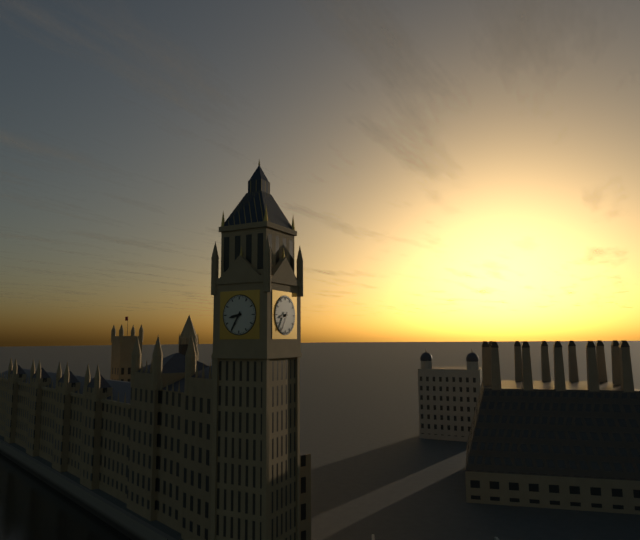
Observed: 8:35
